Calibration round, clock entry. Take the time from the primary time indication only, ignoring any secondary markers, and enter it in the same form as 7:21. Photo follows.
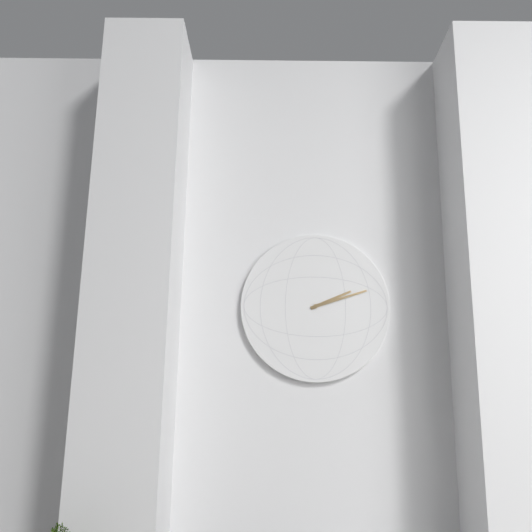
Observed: 2:12
